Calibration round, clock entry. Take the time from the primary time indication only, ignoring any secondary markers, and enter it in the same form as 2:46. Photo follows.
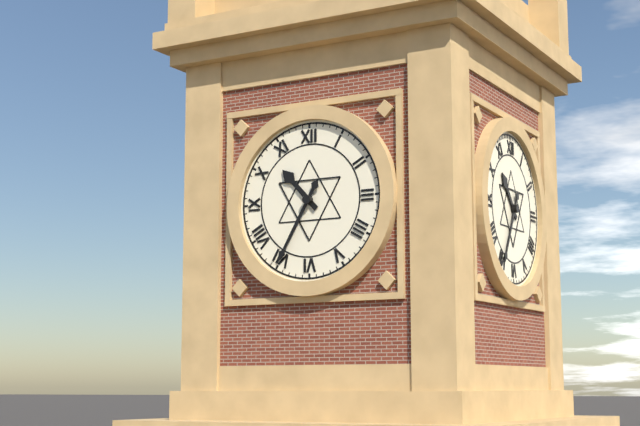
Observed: 10:35
